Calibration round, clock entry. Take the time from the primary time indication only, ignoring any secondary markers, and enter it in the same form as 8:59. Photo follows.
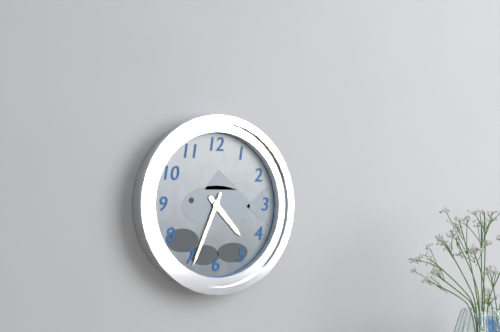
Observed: 4:34
